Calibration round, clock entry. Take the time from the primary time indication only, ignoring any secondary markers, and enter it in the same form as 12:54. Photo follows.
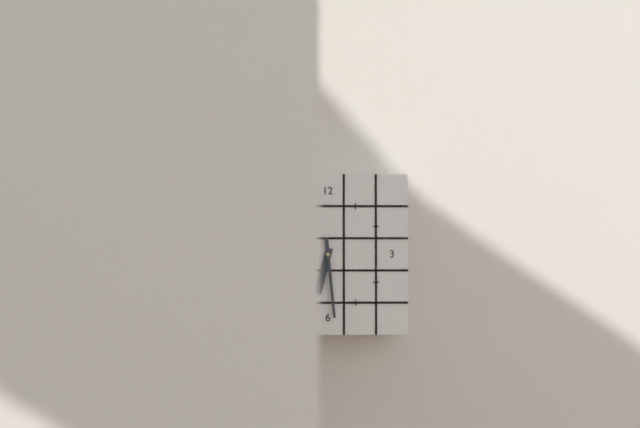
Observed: 6:29
